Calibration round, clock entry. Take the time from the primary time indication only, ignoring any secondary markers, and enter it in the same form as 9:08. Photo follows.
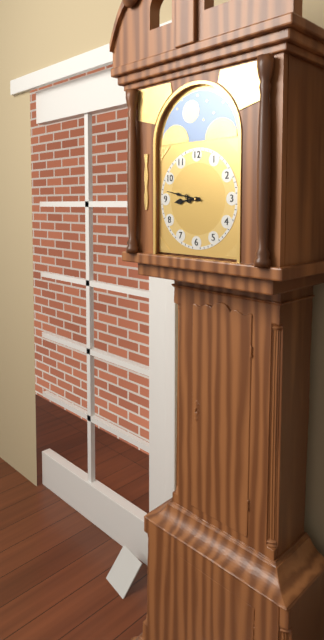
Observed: 8:47
